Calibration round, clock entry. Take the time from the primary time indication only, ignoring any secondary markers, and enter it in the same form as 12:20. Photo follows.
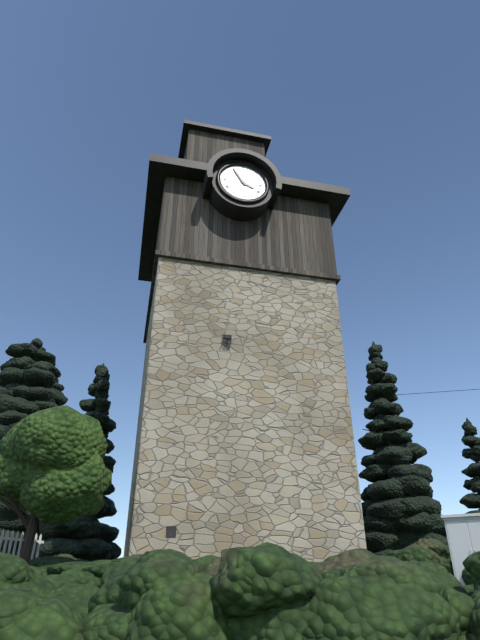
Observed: 3:55
